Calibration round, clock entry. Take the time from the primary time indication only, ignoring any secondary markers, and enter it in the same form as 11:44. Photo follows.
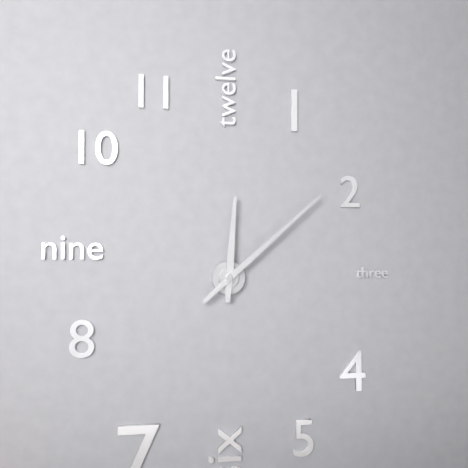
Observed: 12:08
